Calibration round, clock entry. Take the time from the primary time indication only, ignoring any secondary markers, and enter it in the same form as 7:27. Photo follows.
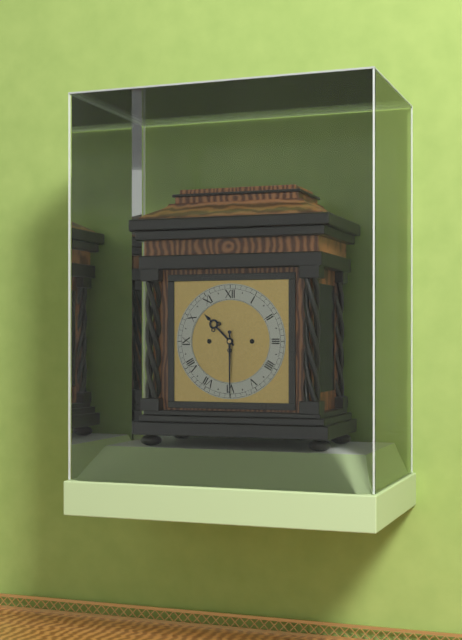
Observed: 10:30
